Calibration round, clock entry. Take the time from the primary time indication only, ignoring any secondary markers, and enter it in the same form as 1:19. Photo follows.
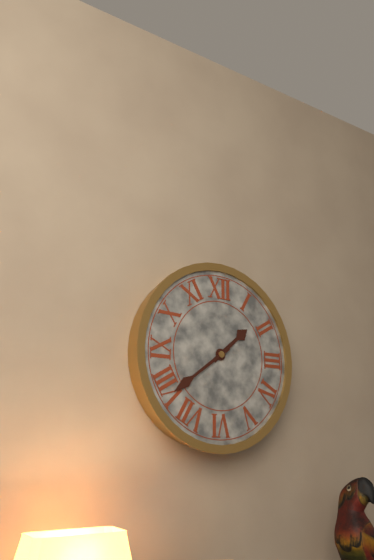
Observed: 1:39
